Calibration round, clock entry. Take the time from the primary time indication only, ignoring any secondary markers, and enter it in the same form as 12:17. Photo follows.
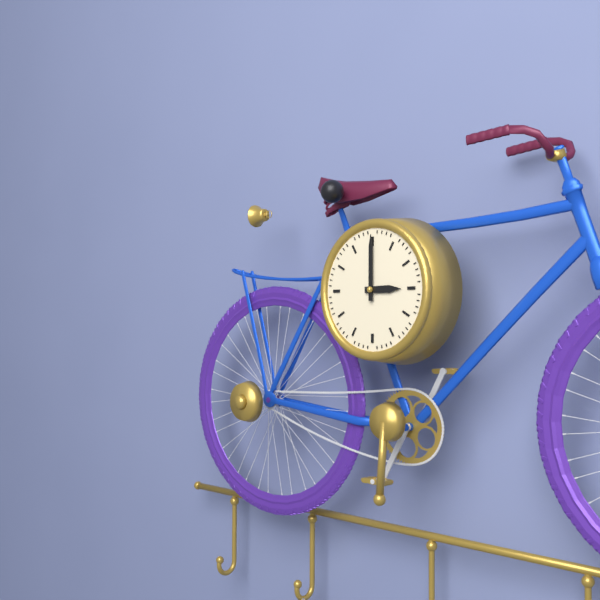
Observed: 3:00
